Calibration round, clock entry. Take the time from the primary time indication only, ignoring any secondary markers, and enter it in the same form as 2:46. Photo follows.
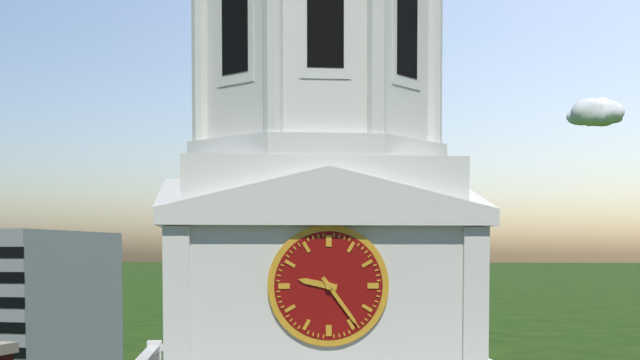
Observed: 9:24
